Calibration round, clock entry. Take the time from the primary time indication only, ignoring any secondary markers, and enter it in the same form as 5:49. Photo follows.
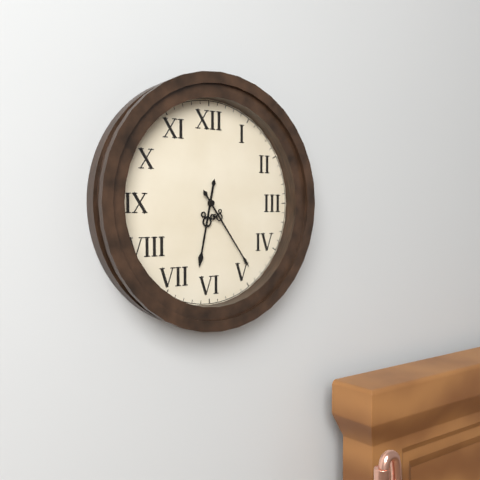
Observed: 6:24
